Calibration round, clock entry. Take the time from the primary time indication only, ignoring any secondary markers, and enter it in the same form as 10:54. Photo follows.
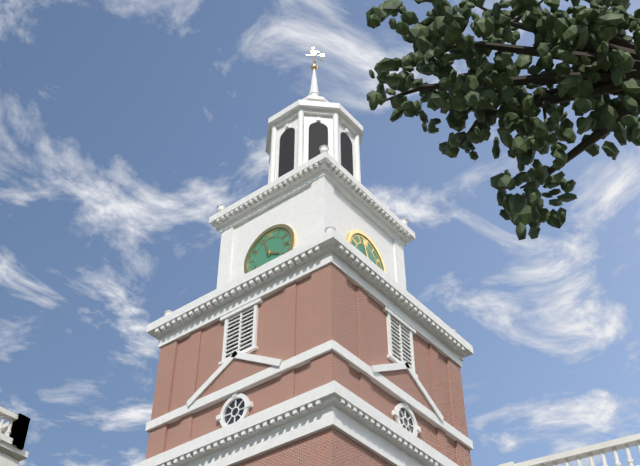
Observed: 3:57
